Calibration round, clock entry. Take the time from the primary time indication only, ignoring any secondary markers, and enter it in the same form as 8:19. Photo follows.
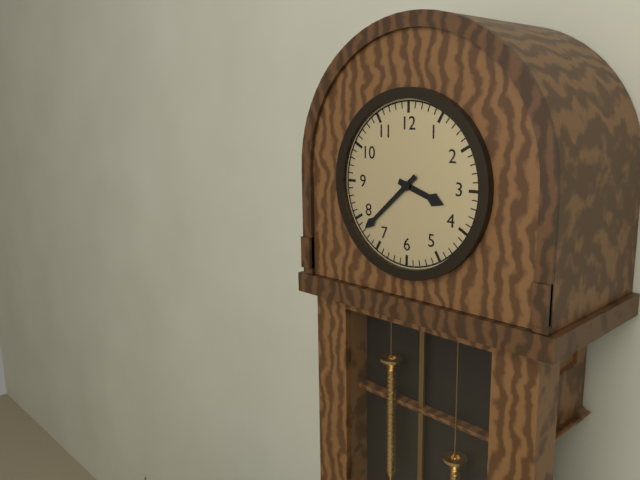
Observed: 3:38
